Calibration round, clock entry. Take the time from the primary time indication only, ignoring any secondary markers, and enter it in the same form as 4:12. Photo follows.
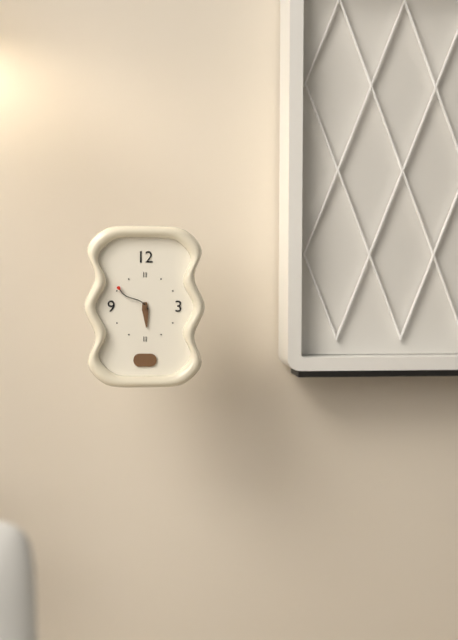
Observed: 5:51
